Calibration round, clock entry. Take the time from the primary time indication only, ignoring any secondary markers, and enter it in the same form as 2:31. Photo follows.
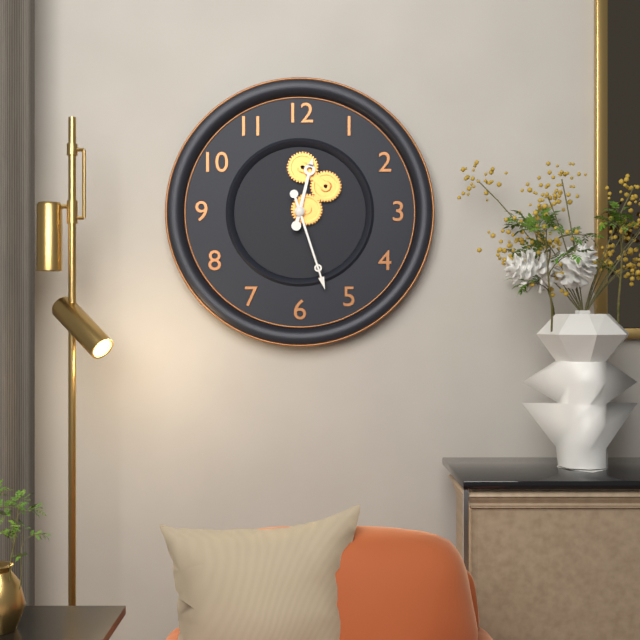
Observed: 12:27
